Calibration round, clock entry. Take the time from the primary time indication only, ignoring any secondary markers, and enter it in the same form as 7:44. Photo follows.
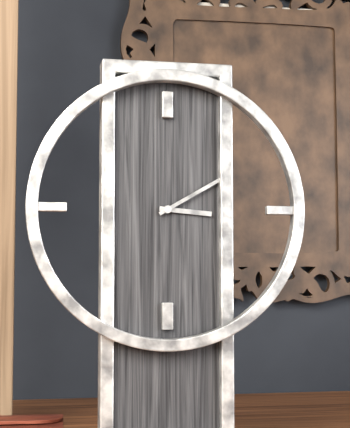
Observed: 3:10
